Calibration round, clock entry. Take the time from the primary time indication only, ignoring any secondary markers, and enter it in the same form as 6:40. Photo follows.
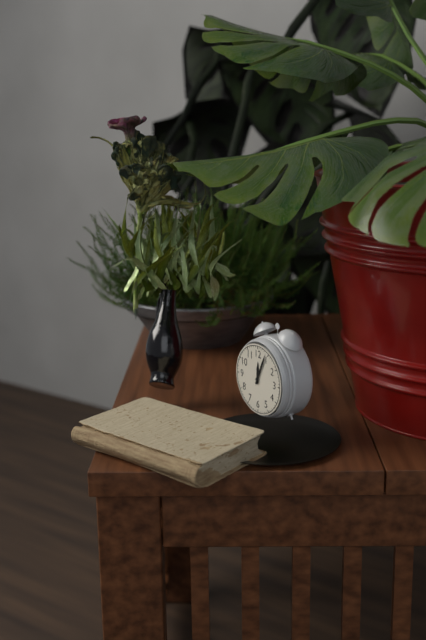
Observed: 12:04
